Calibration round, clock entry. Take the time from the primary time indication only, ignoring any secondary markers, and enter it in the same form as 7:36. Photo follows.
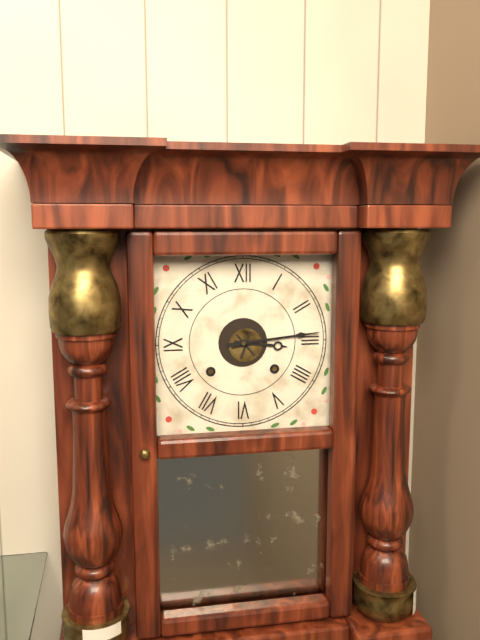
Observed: 3:14
